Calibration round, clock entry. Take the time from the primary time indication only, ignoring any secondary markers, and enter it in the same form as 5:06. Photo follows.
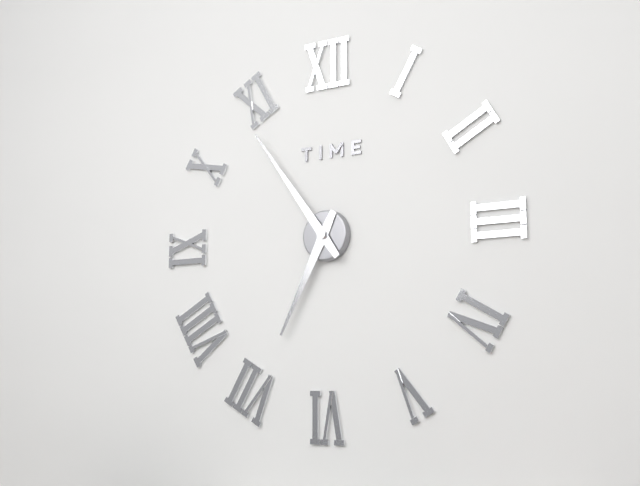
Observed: 6:54
